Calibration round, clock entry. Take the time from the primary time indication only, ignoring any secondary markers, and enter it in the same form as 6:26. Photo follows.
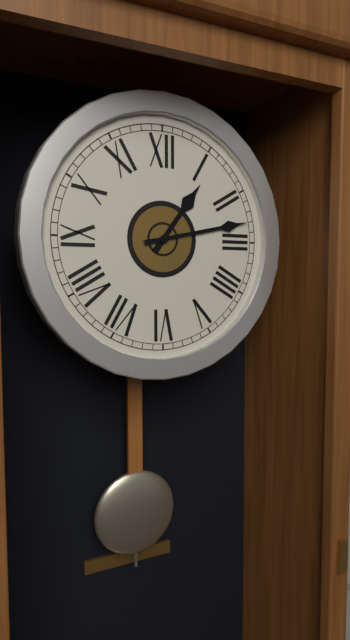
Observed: 1:13
